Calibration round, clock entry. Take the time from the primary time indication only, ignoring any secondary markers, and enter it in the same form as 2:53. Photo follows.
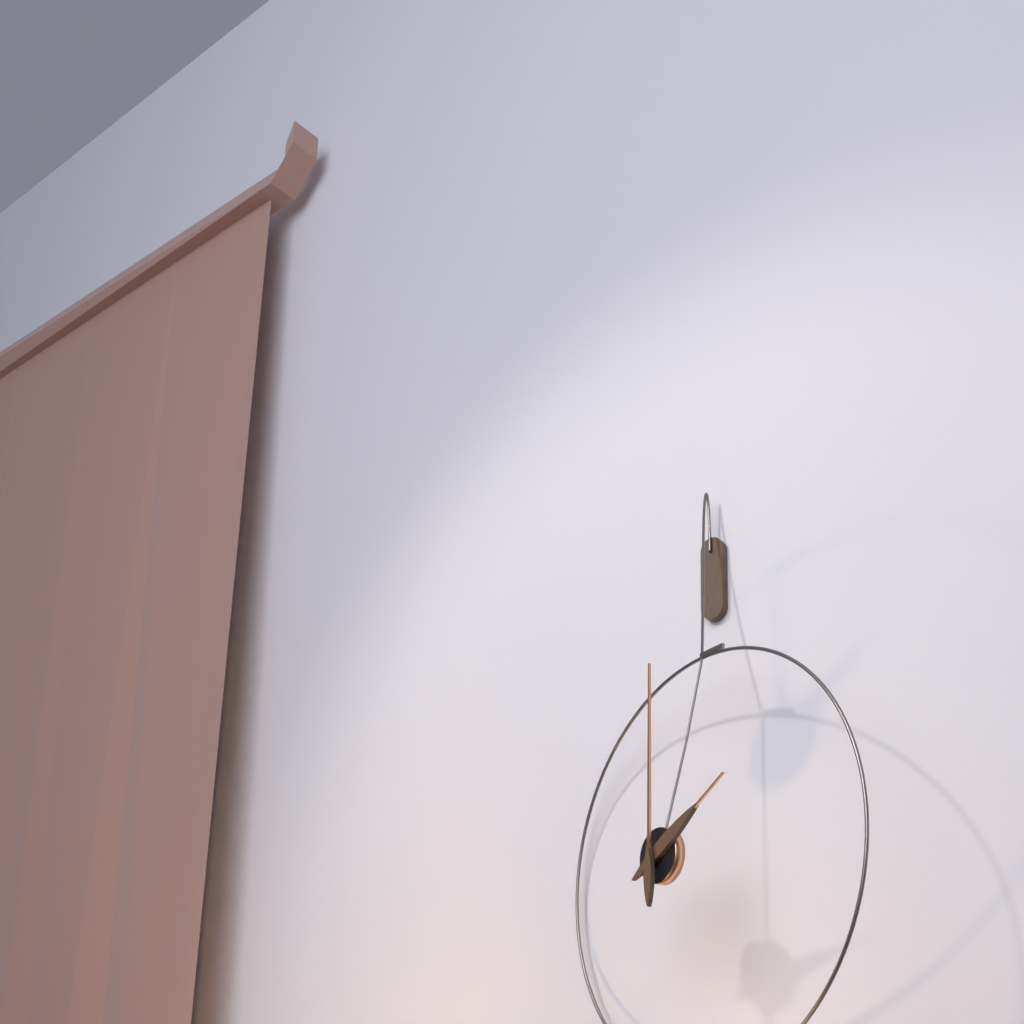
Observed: 2:00
